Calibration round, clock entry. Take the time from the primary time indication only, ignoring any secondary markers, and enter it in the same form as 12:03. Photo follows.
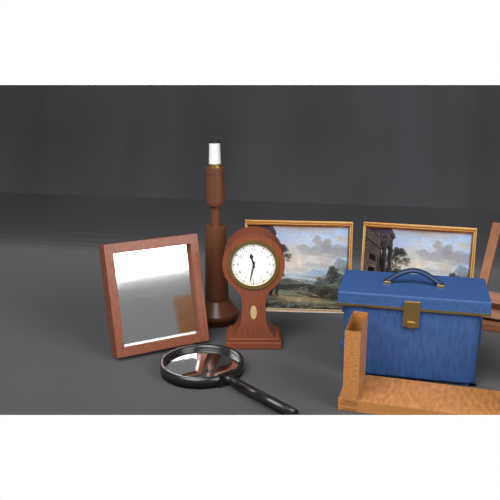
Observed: 11:32
